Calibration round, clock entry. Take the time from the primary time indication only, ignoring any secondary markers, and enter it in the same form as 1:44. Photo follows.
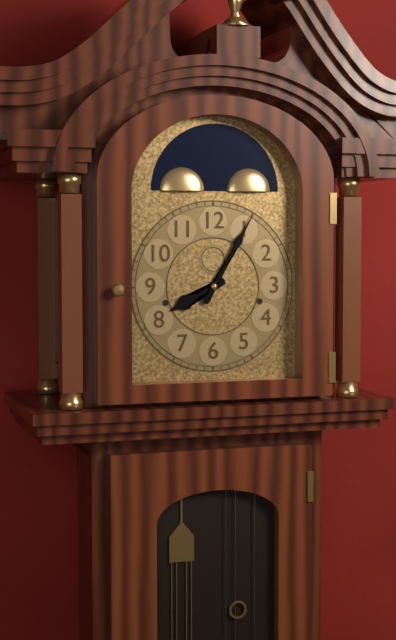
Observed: 8:05
